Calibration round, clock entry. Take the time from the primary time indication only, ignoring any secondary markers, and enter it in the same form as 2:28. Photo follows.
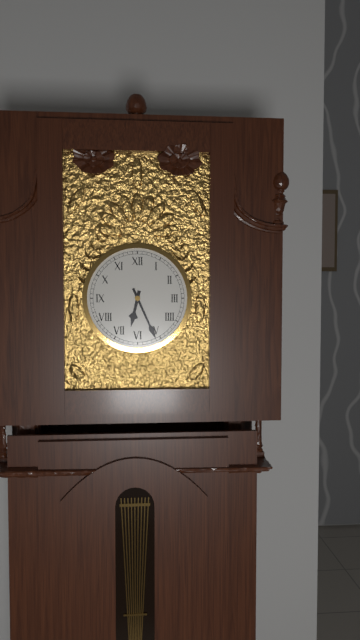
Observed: 6:26
